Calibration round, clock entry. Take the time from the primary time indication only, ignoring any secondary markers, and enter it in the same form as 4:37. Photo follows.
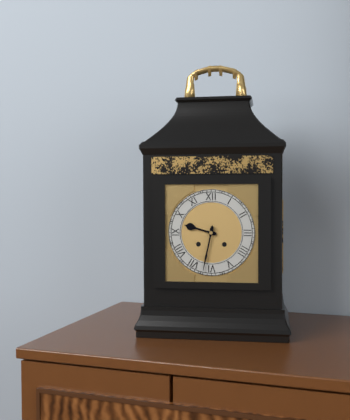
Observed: 9:32
